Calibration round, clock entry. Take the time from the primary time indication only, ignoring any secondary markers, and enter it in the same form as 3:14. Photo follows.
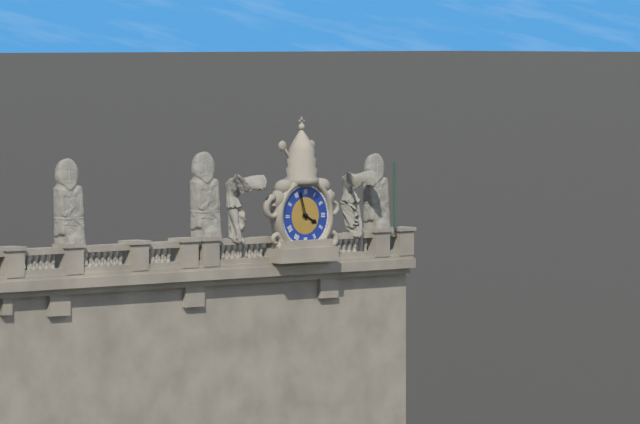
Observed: 3:57
